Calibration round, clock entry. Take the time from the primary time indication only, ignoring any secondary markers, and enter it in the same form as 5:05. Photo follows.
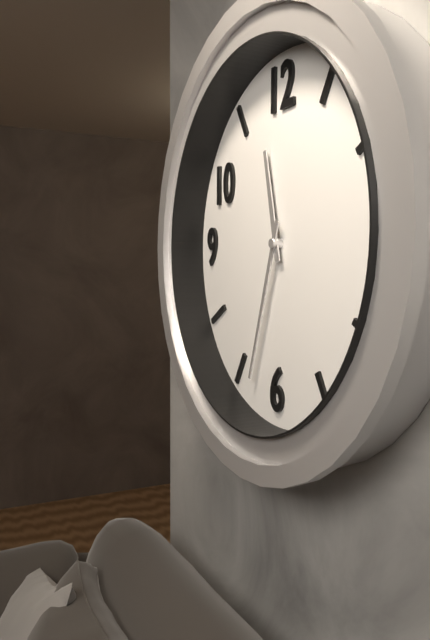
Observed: 11:33
